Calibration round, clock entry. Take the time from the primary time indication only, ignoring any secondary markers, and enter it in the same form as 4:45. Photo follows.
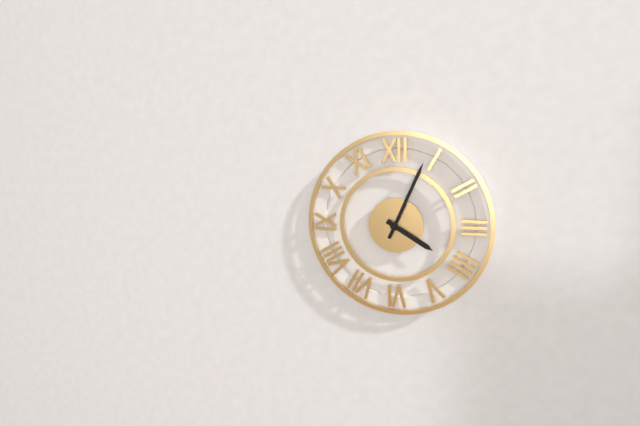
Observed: 4:04
